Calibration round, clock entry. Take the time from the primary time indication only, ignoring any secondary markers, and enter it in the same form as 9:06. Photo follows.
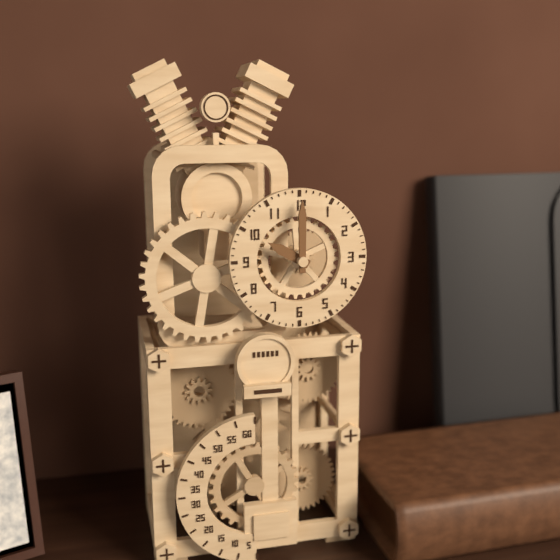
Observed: 10:00
